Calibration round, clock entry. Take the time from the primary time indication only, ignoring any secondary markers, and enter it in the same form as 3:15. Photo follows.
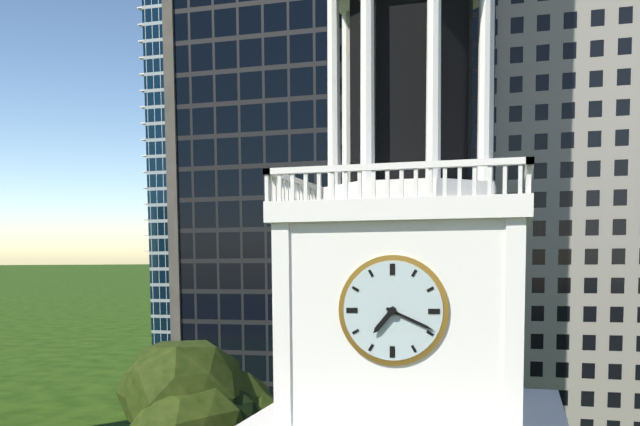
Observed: 7:19
